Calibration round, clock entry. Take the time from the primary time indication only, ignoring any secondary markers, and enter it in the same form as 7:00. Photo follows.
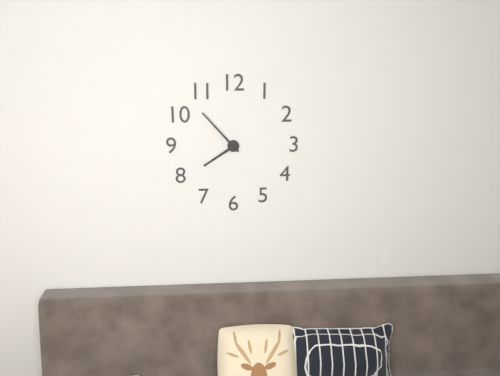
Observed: 7:53
